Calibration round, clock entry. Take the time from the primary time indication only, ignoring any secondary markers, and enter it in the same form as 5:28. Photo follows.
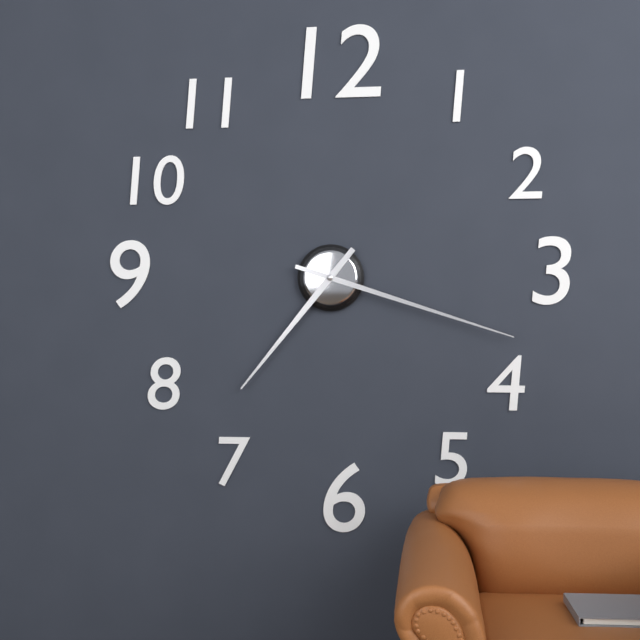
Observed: 7:18
